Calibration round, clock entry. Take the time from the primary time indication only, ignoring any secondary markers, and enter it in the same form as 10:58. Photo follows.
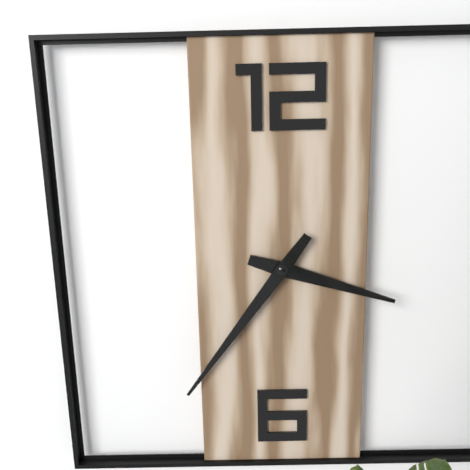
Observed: 3:36
